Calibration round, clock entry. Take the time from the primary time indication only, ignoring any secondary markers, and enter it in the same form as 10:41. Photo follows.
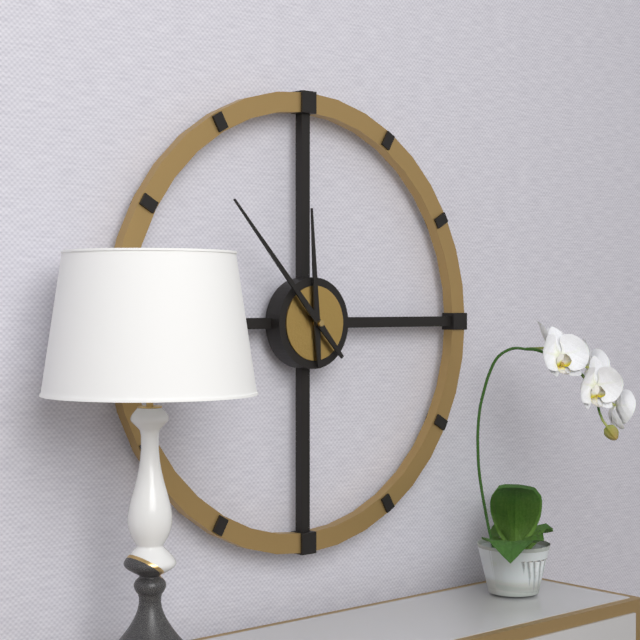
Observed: 11:53
